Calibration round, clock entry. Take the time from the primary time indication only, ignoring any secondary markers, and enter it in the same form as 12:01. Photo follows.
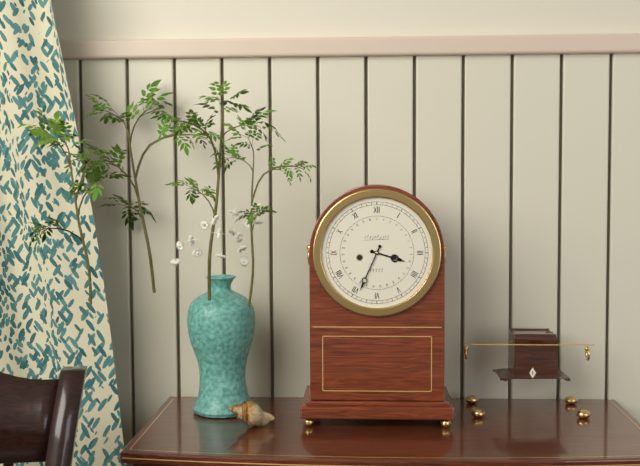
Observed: 3:34
